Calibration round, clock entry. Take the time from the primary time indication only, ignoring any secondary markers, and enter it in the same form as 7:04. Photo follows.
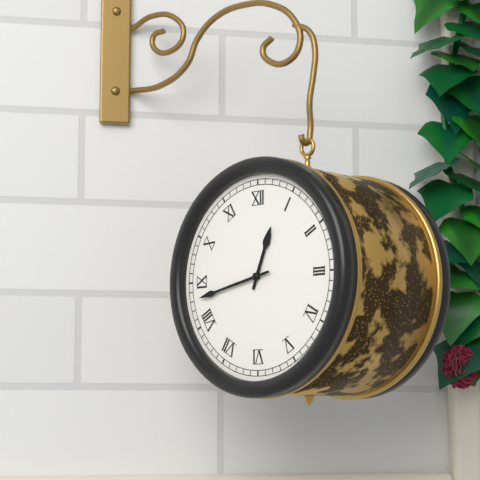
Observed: 12:43
